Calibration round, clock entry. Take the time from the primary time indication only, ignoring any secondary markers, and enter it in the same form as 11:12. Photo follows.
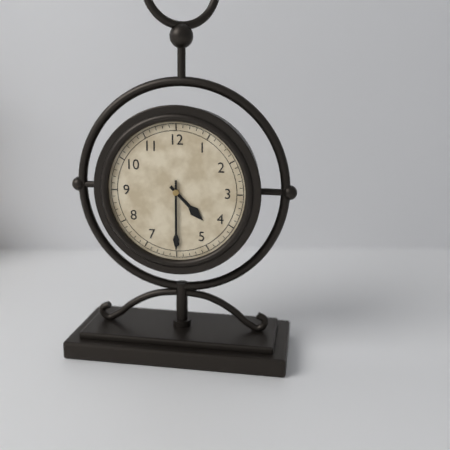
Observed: 4:30
